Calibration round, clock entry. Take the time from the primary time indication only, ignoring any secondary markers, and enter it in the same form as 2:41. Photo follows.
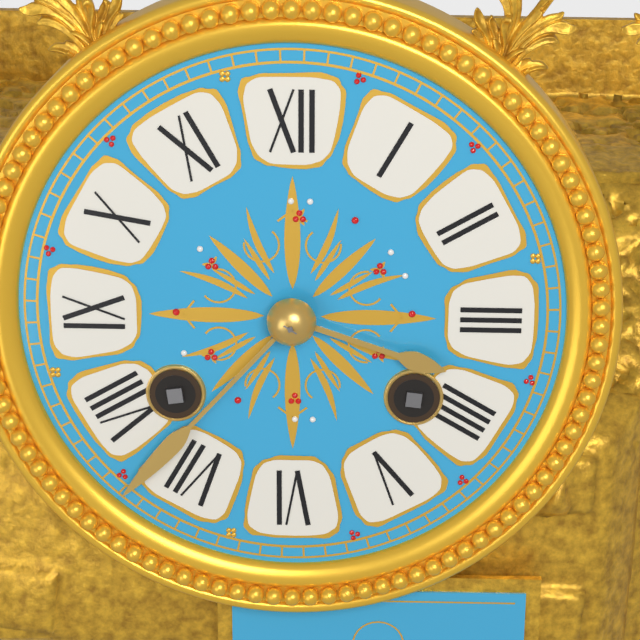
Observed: 3:37
